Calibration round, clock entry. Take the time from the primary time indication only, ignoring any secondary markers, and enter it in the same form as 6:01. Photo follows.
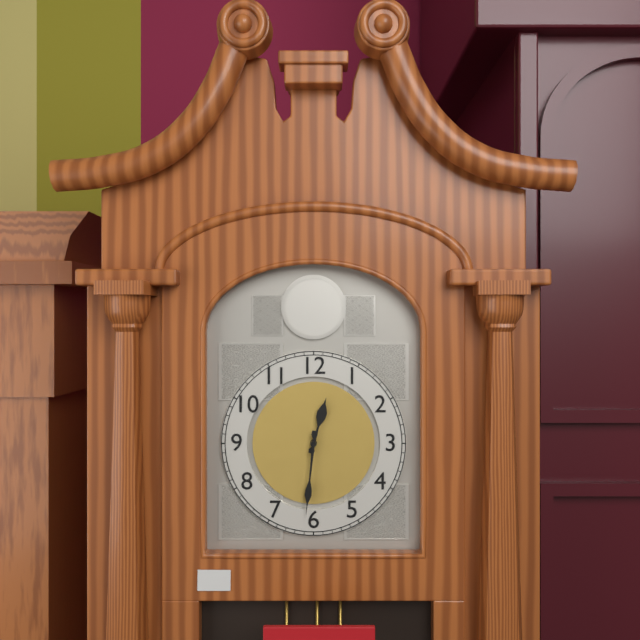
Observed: 12:31
